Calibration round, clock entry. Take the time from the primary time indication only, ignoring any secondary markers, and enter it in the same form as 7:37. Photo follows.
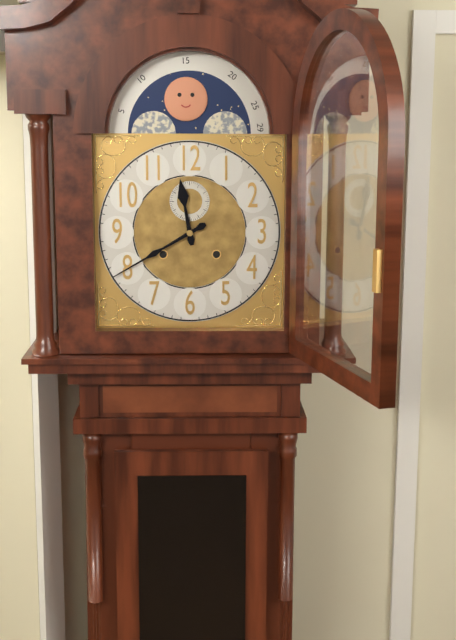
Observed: 11:40
